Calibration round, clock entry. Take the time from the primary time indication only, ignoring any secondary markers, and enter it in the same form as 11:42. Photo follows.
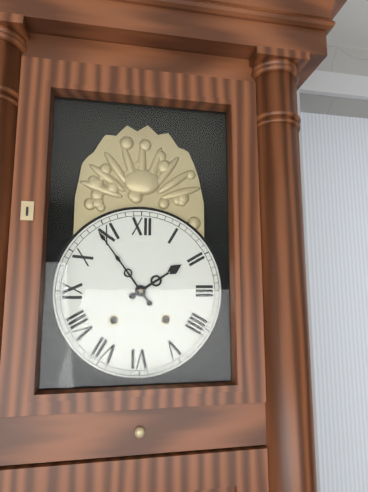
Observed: 1:54
